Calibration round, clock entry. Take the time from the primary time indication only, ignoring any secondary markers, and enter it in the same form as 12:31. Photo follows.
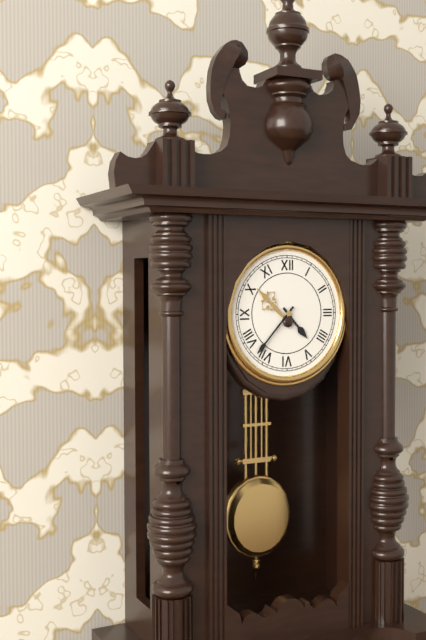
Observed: 4:37
